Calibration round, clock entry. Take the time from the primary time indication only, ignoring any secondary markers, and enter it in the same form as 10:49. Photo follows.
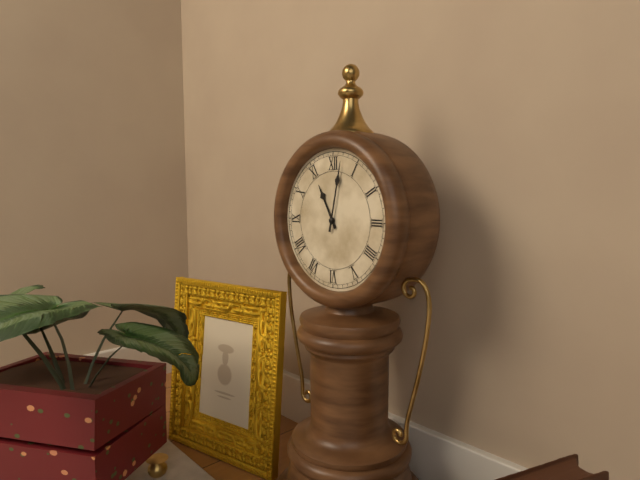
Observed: 11:02
